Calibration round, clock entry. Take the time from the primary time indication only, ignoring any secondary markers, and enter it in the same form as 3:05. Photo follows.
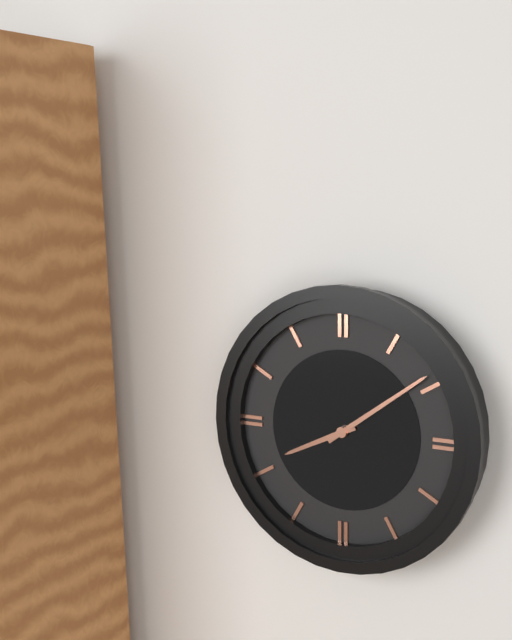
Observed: 8:09
